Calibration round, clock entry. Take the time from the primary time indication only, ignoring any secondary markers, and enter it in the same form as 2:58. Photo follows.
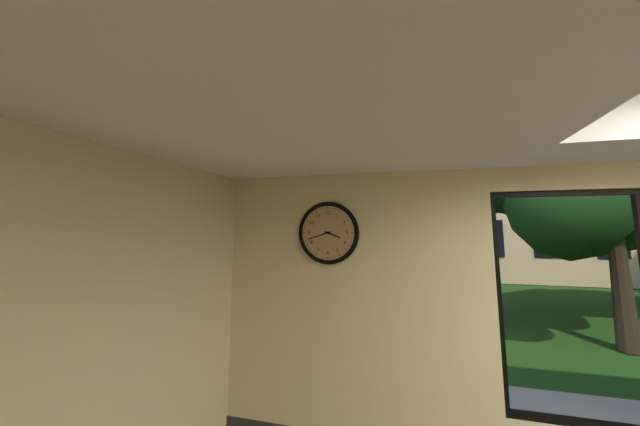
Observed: 3:42
